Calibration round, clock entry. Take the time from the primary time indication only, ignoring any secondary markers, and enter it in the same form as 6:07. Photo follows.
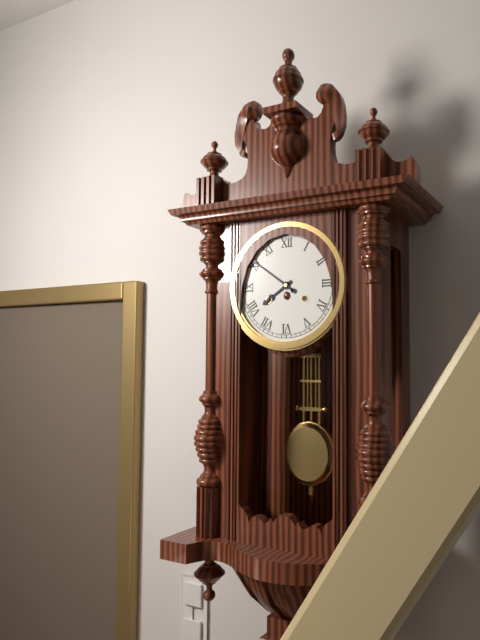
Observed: 7:51
